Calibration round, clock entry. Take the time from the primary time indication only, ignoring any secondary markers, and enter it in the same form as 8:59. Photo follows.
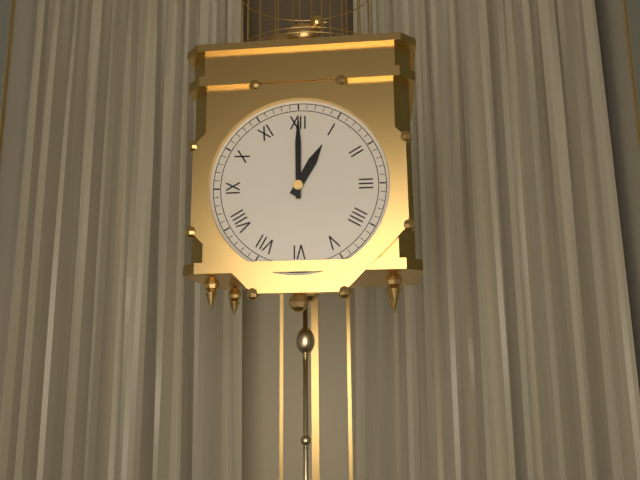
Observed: 1:00
